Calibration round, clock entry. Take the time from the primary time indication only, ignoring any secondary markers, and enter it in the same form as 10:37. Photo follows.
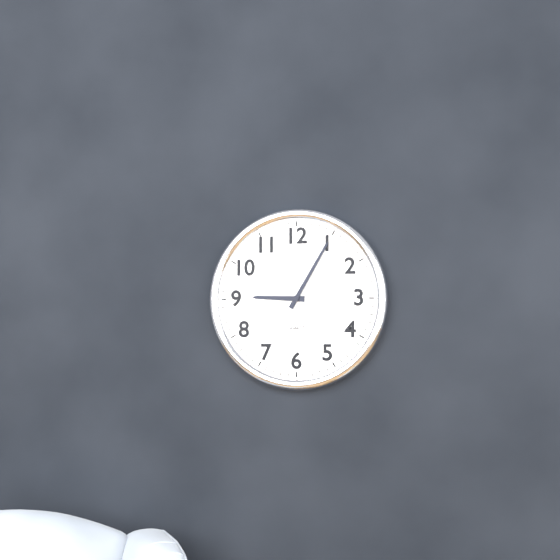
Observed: 9:05
